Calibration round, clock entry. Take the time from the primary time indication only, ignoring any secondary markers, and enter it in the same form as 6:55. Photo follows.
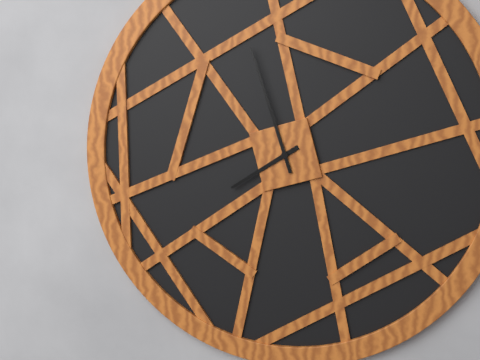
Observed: 7:57
